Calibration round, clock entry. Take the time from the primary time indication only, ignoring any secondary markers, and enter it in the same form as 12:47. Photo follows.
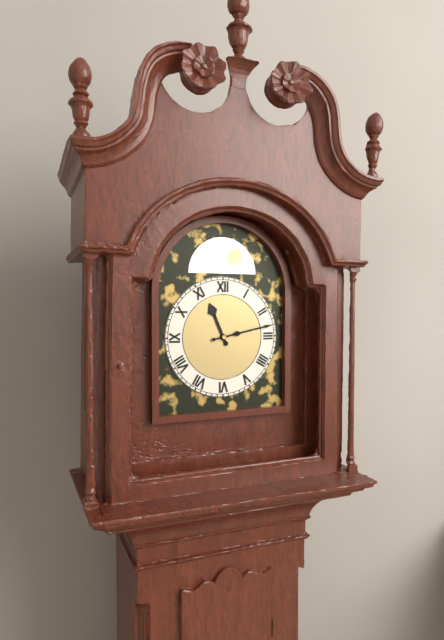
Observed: 11:13
